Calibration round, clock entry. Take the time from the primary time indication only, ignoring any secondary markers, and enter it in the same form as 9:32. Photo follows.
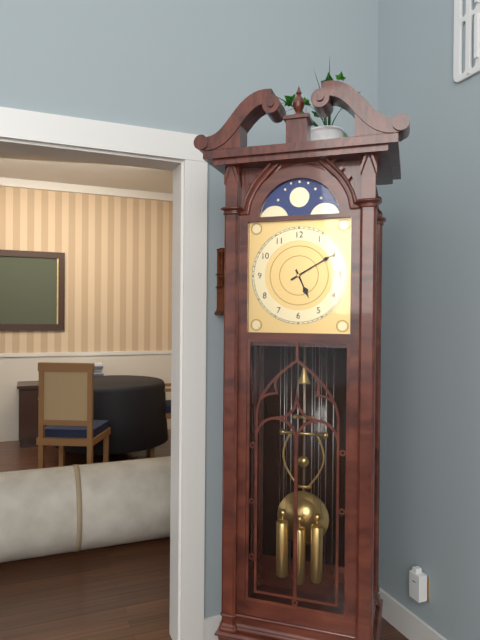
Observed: 5:10
